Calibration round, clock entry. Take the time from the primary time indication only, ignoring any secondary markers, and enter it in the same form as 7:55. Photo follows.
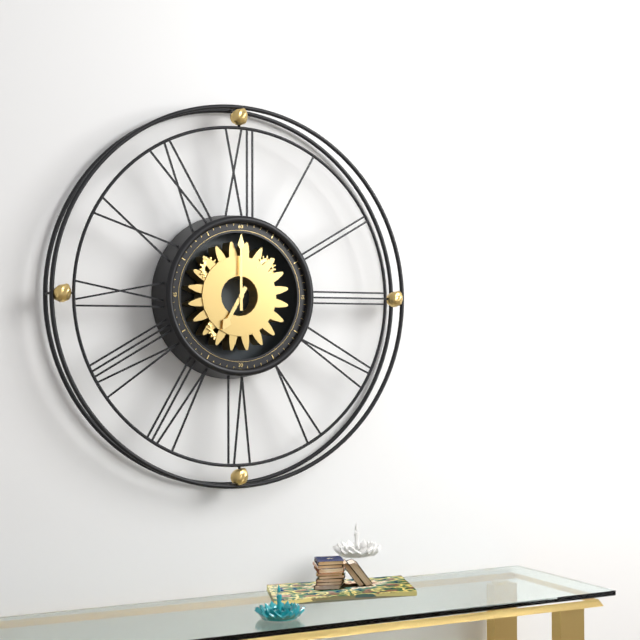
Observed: 7:00
